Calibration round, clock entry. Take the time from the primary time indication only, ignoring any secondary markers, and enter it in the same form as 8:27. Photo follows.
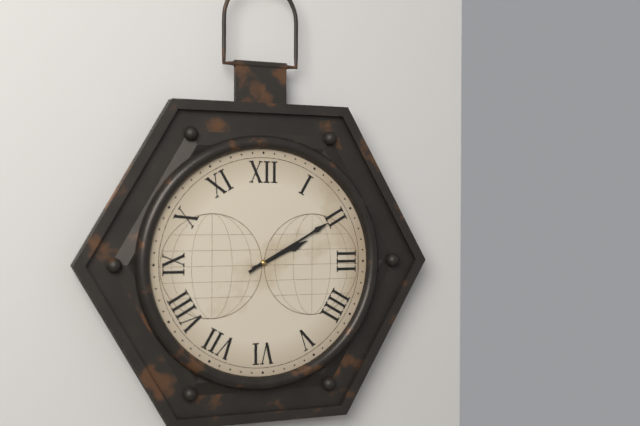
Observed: 2:10
